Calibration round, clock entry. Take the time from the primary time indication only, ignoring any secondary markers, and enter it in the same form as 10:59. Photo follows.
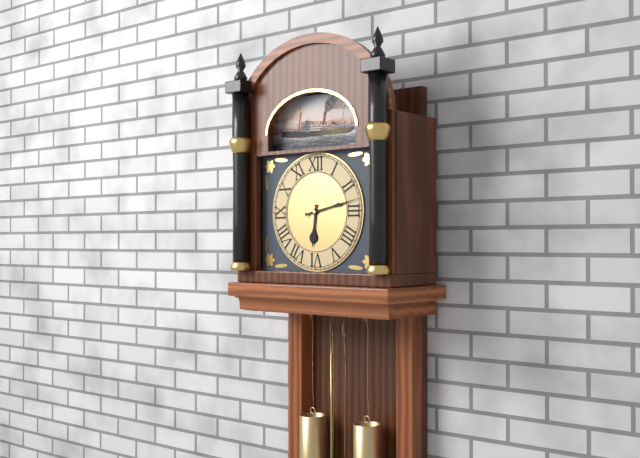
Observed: 6:13
